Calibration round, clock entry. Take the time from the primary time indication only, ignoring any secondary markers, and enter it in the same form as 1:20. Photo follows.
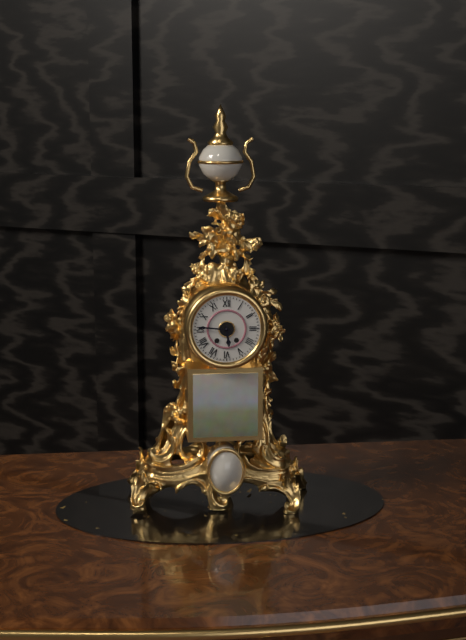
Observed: 5:46
